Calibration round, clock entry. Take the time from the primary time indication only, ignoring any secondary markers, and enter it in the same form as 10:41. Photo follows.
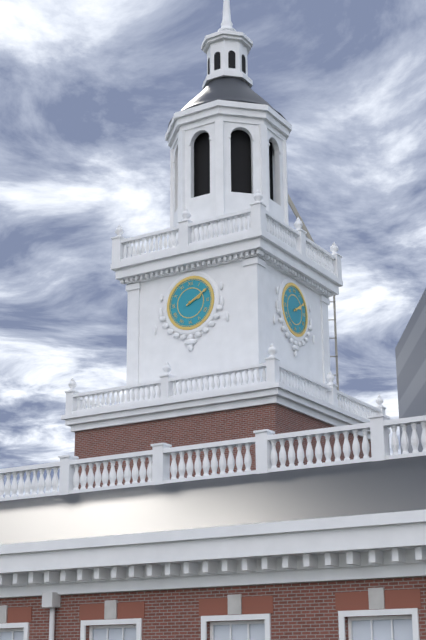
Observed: 2:10
